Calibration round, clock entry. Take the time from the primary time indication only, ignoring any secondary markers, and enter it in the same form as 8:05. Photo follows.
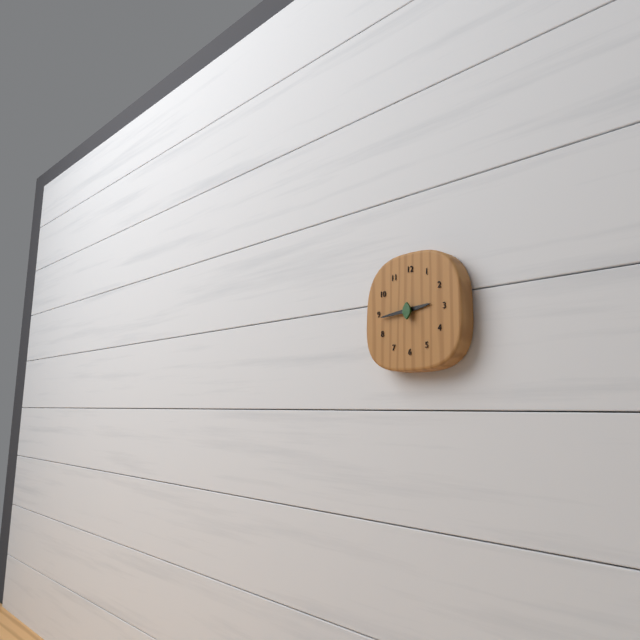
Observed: 2:44
